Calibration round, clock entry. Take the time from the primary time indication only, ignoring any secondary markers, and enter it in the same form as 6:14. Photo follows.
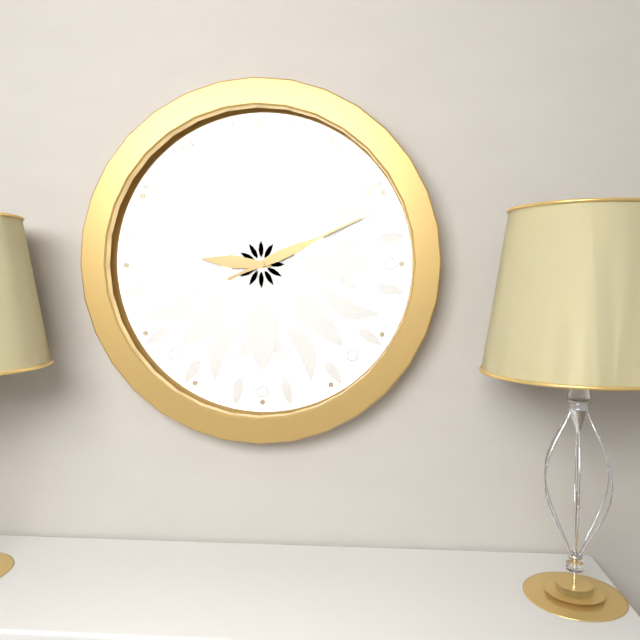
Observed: 9:11
